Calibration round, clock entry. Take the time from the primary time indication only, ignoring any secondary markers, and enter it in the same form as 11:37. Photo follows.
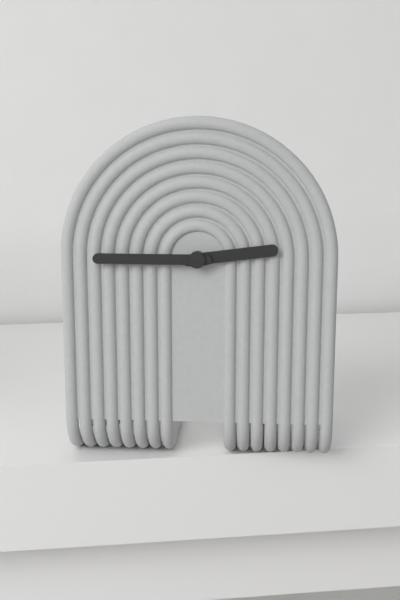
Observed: 2:45
